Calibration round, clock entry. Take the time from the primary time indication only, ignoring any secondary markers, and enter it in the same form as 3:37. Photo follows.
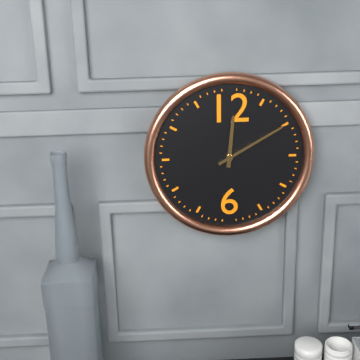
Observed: 12:10
